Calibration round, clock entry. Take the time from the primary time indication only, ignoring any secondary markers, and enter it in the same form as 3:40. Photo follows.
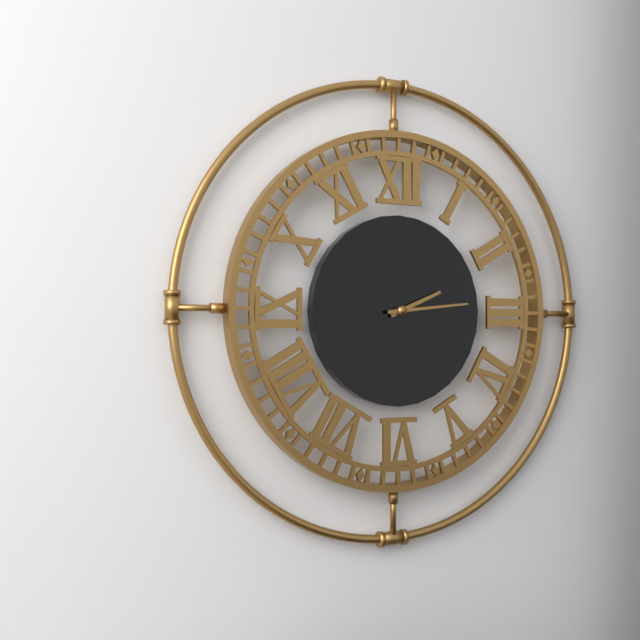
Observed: 2:14
